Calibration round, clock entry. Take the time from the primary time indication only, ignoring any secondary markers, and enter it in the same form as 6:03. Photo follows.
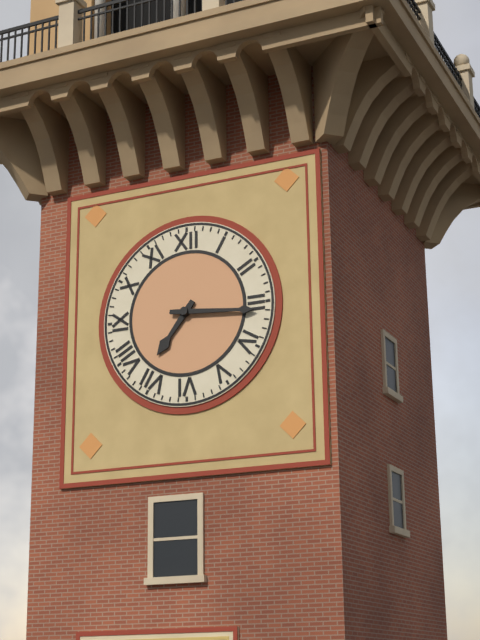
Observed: 7:16
